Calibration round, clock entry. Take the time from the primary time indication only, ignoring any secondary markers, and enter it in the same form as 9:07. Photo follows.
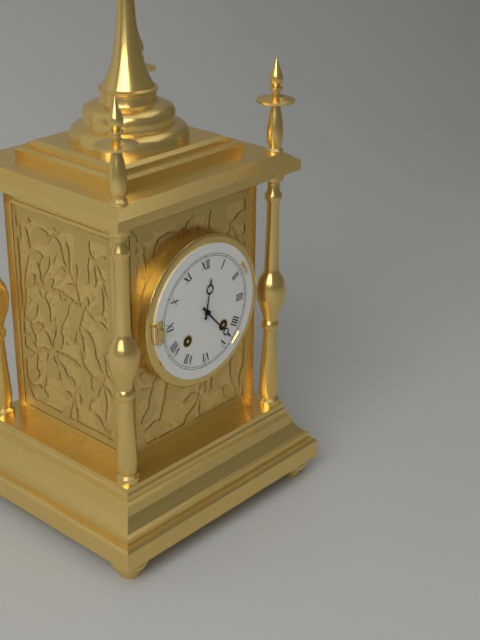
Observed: 12:23
